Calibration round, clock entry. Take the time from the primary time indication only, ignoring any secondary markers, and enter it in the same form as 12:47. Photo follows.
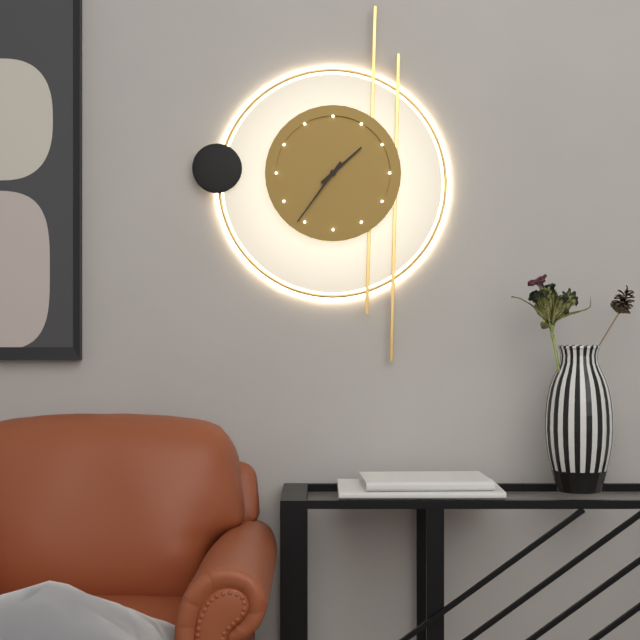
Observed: 1:36
